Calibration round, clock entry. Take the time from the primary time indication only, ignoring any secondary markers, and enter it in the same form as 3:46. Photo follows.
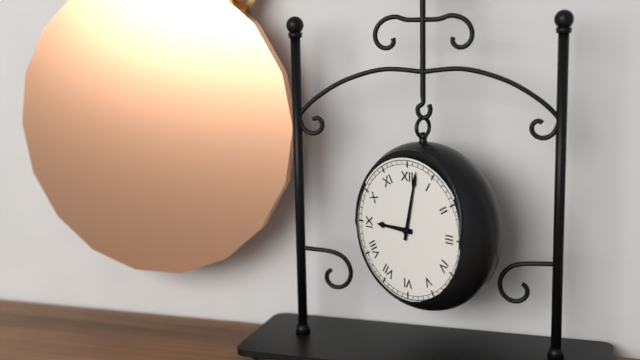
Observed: 9:02
